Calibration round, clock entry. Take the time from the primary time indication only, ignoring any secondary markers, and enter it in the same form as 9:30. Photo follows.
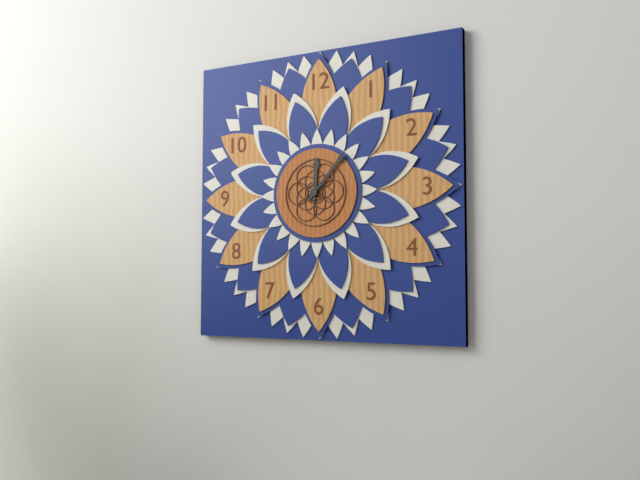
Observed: 12:07
